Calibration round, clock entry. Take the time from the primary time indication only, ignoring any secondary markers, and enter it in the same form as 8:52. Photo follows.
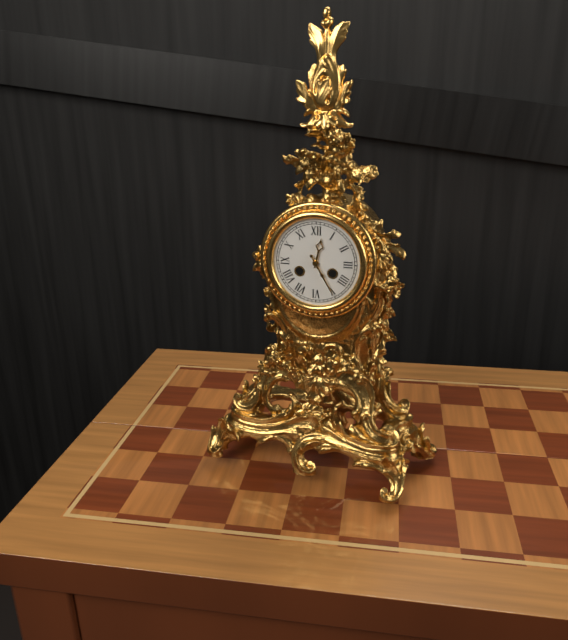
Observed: 12:25
